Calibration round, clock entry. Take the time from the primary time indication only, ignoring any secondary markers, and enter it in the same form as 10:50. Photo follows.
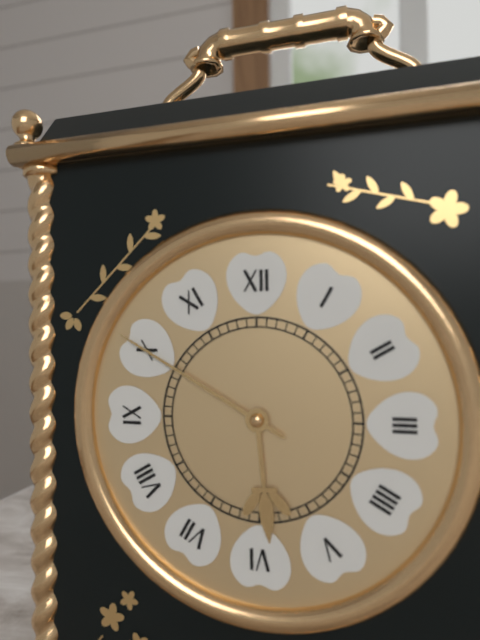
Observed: 5:50
